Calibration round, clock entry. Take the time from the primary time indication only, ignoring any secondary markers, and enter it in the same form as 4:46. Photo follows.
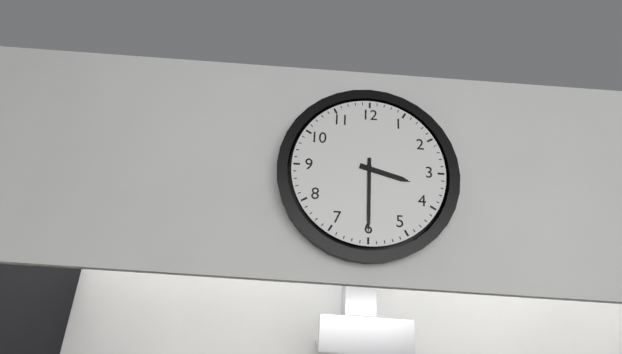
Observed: 3:30
